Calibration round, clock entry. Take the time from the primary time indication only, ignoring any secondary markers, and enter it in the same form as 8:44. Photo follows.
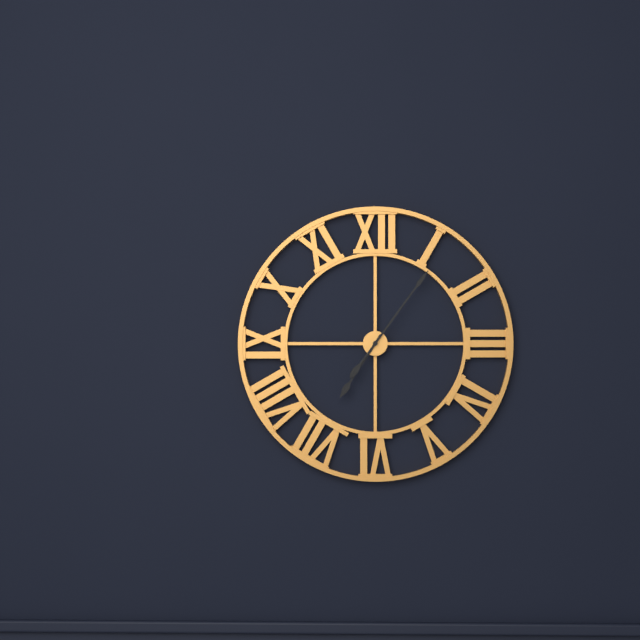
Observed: 7:06
